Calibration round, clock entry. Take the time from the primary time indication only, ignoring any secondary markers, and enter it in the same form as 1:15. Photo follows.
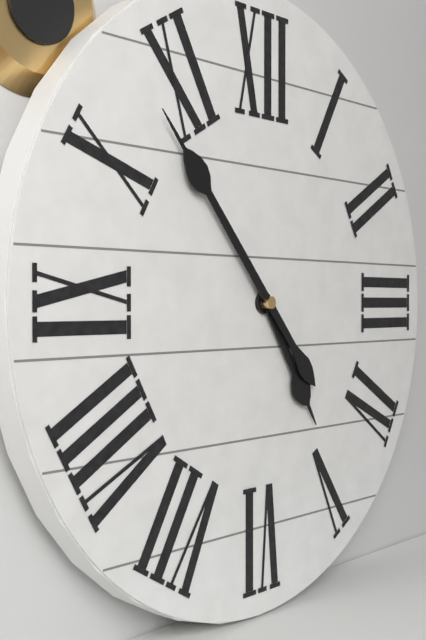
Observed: 4:53
